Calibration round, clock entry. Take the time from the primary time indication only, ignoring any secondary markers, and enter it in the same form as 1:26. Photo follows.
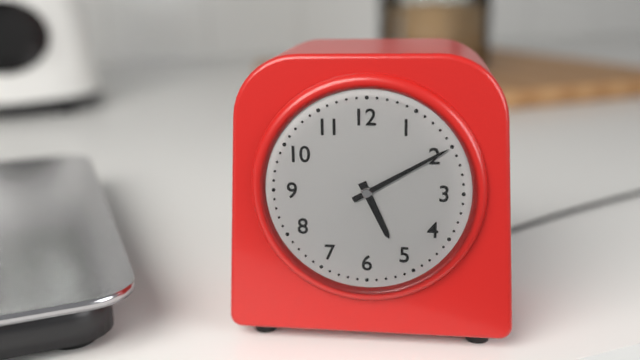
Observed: 5:10
